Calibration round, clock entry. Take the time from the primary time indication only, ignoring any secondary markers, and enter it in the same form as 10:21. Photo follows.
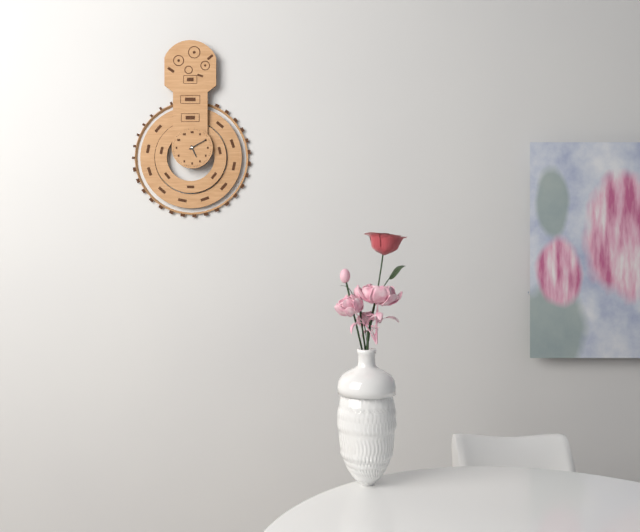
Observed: 5:10
